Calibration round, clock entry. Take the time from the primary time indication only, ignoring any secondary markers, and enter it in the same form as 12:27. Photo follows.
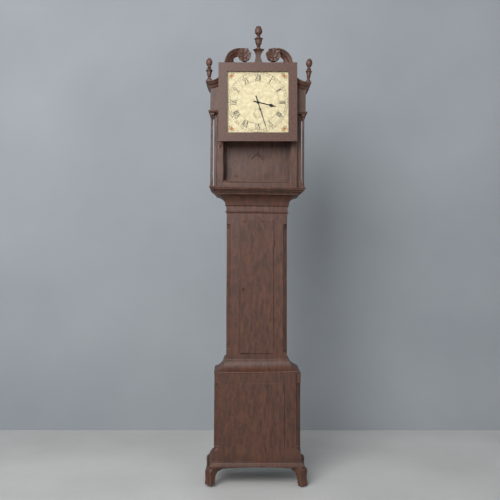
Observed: 3:27
